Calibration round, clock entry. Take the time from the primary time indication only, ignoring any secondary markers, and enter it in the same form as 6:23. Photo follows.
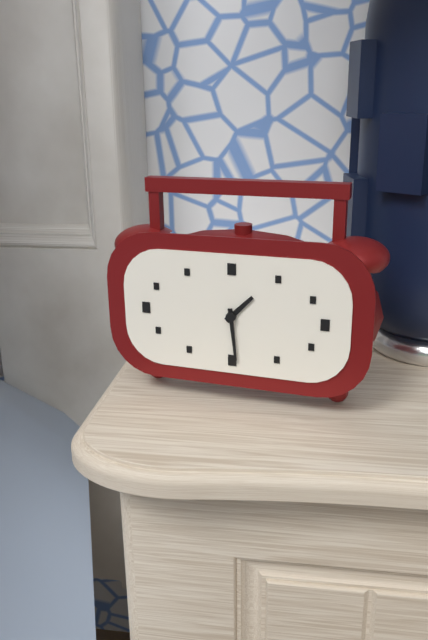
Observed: 1:29
